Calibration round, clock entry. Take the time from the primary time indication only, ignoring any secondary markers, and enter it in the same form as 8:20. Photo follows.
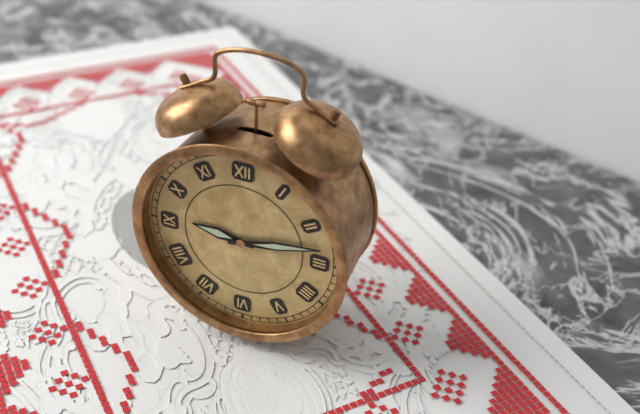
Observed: 9:13
